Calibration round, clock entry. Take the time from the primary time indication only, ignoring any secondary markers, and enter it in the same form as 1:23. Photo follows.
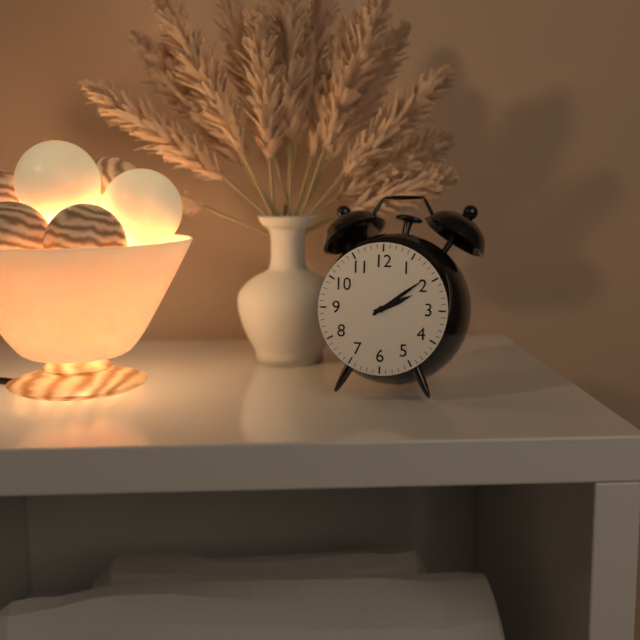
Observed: 2:09
